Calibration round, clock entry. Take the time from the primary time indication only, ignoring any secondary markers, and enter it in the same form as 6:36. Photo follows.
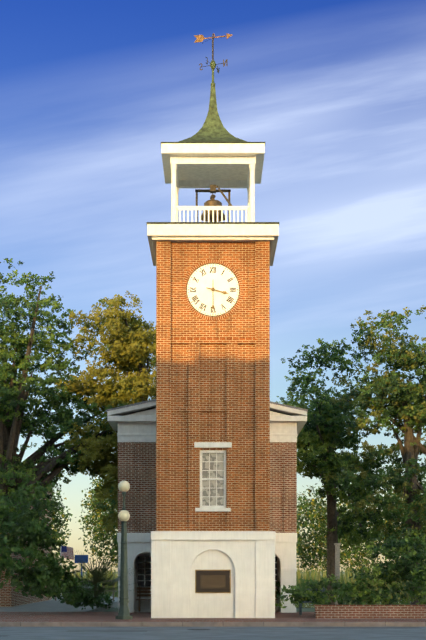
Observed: 3:30
